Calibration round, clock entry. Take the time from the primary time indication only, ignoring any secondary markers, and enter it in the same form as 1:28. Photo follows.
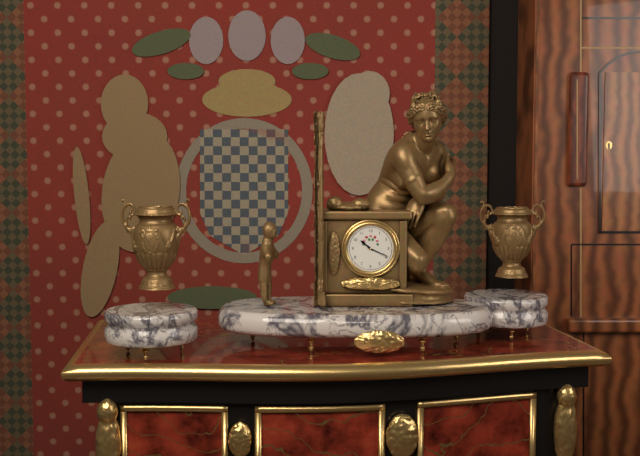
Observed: 10:19
